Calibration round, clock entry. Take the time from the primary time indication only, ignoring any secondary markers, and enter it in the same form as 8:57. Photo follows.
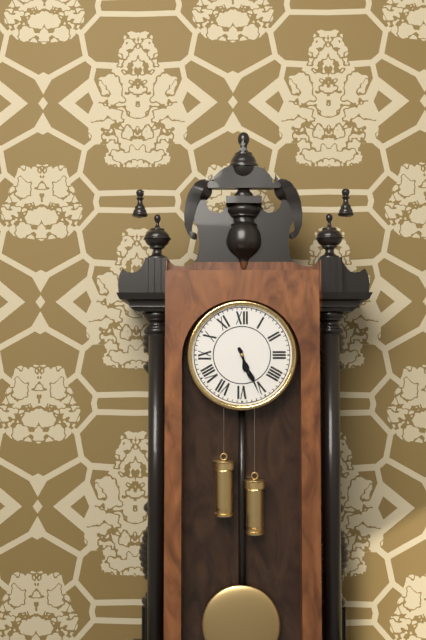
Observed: 5:26
